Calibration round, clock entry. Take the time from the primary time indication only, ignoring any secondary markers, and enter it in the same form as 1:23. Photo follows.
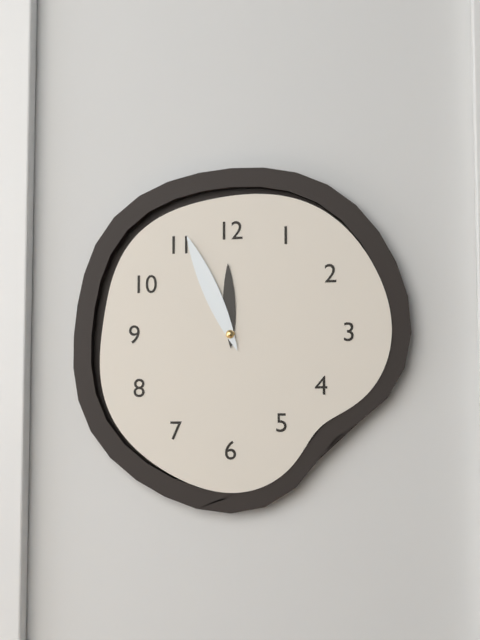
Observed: 11:56
